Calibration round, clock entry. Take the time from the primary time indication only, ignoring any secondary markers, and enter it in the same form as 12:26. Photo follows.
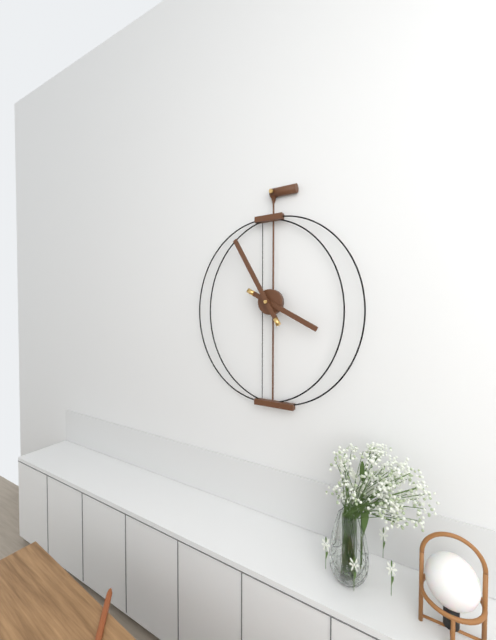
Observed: 3:55
